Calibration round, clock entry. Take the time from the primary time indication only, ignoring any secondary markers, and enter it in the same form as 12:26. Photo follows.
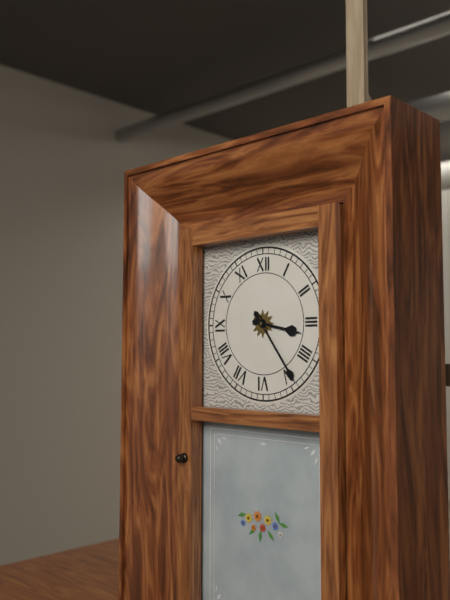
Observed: 3:24
